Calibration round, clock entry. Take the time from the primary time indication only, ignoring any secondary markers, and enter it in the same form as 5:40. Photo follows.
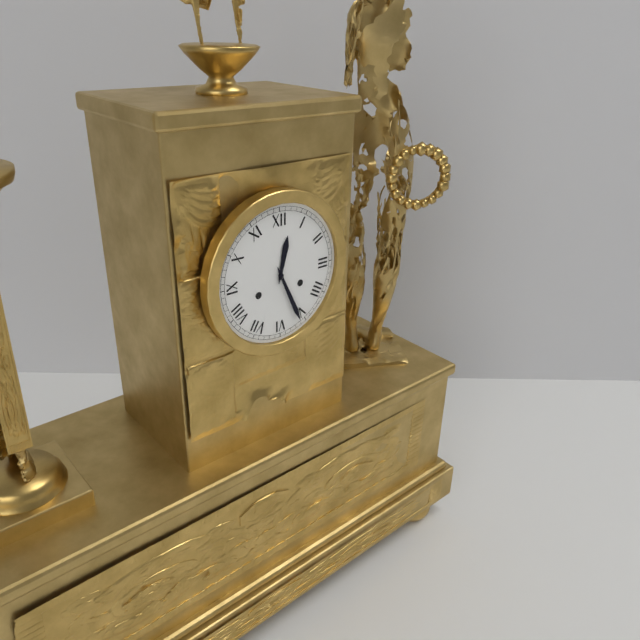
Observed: 12:26
